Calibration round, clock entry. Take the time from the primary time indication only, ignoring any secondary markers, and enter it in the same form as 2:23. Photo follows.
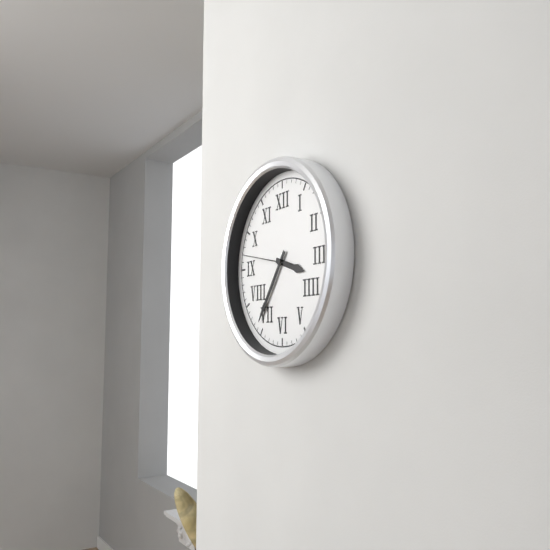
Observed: 3:36
